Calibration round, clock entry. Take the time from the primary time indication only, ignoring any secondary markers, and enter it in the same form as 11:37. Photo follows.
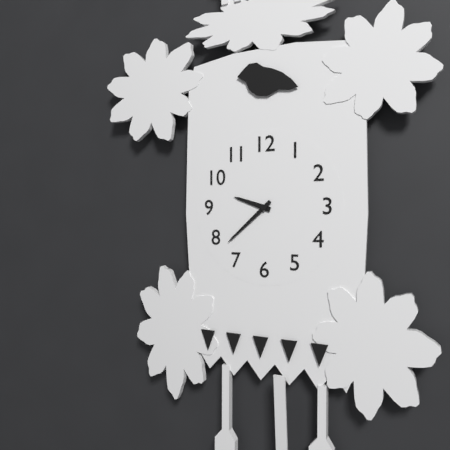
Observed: 9:38
